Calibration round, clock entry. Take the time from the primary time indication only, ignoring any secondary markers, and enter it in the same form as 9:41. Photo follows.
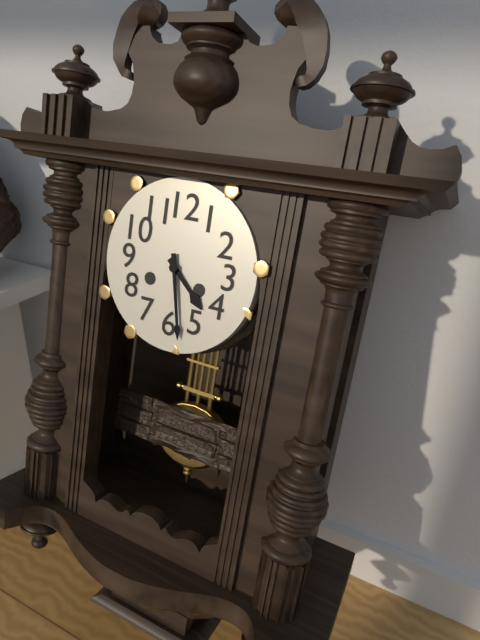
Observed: 4:28
